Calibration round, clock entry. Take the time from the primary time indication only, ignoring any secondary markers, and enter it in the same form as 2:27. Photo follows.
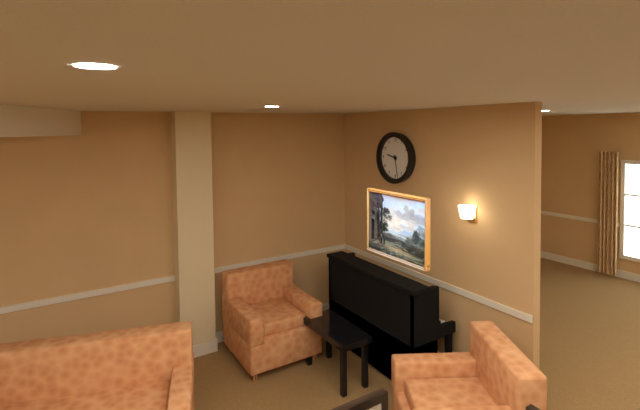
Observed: 9:28
